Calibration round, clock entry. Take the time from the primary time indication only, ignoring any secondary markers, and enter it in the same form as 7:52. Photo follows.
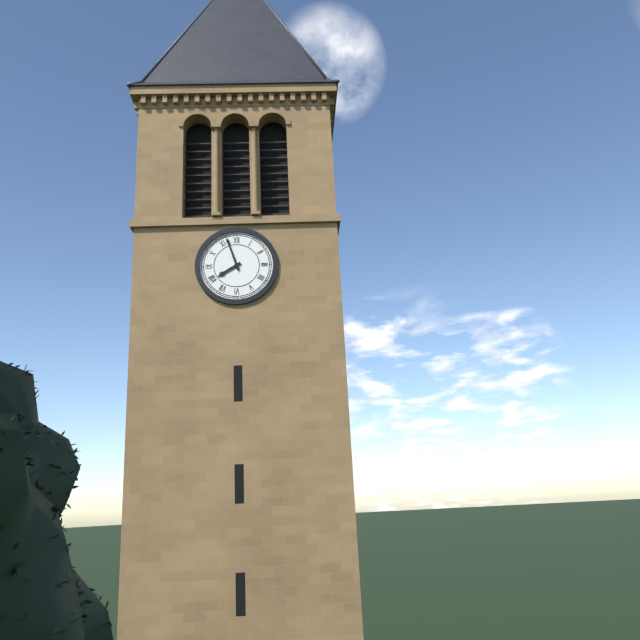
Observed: 7:57
